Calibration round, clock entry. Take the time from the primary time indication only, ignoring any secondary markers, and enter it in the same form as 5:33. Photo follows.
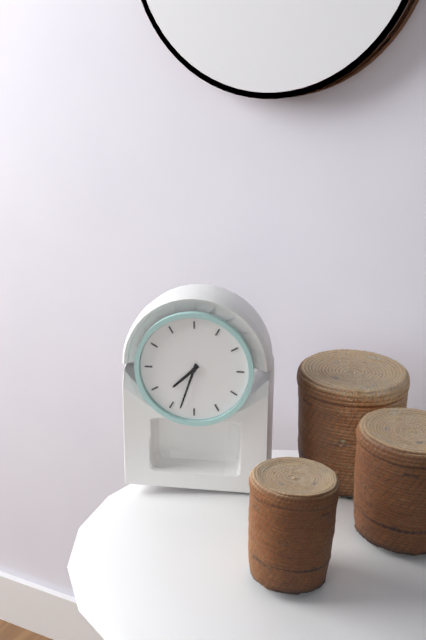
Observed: 7:33
